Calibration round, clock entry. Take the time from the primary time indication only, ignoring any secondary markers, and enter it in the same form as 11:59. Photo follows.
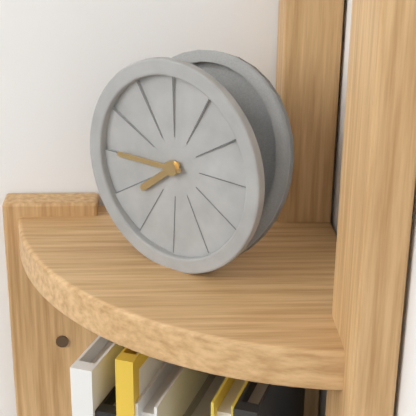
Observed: 7:45
